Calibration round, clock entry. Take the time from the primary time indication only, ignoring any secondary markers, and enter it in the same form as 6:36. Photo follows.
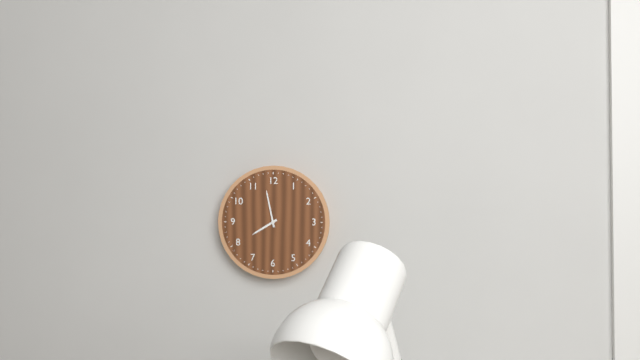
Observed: 7:58
